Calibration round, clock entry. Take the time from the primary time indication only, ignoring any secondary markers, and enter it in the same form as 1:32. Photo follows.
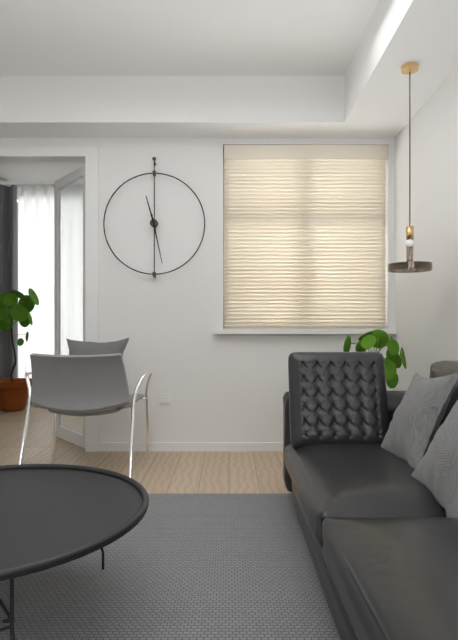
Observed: 11:28
